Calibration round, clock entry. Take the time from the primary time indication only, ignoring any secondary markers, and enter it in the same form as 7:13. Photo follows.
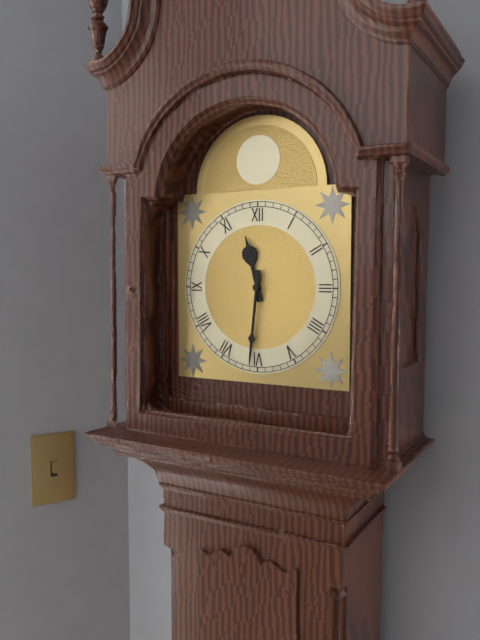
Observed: 11:31
